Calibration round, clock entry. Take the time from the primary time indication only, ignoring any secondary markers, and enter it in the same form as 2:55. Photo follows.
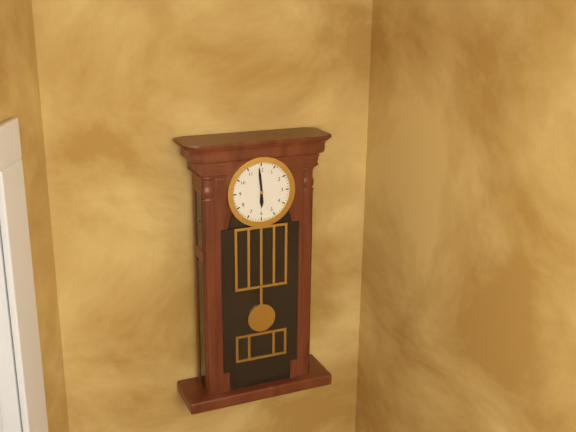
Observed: 5:59
